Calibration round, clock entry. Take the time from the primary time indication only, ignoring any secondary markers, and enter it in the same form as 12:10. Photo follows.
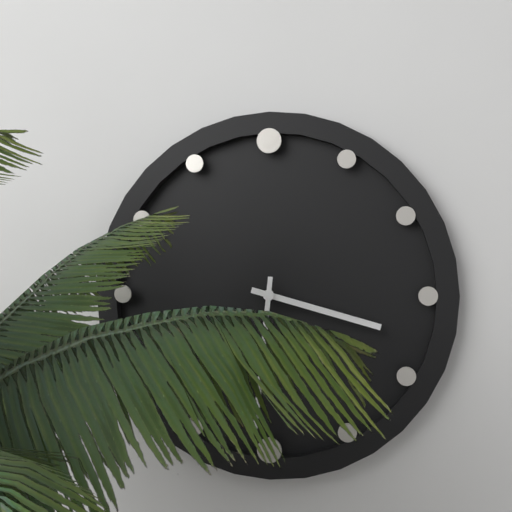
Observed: 3:31
